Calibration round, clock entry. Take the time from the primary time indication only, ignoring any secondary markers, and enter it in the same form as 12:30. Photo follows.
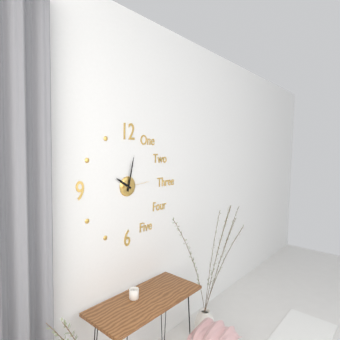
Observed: 10:02
